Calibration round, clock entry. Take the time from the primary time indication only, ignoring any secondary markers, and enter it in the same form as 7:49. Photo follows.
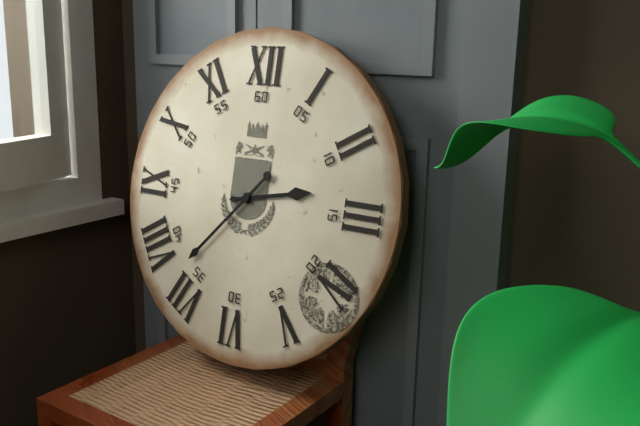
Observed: 2:37
